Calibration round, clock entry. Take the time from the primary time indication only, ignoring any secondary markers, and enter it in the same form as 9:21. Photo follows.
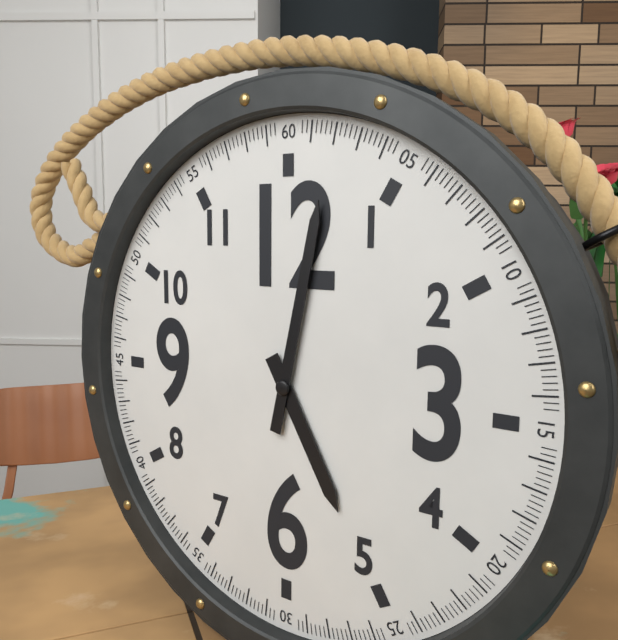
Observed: 5:02
